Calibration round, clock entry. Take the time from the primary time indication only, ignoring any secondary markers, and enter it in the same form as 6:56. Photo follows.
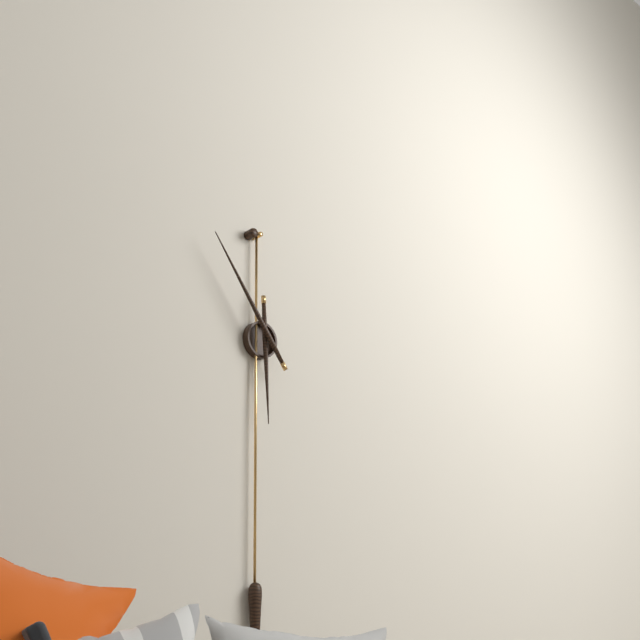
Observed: 5:54
